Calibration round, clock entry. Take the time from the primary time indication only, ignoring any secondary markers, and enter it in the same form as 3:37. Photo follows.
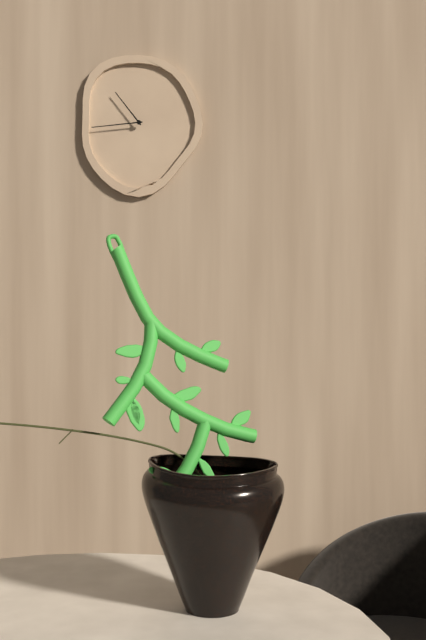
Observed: 10:44
